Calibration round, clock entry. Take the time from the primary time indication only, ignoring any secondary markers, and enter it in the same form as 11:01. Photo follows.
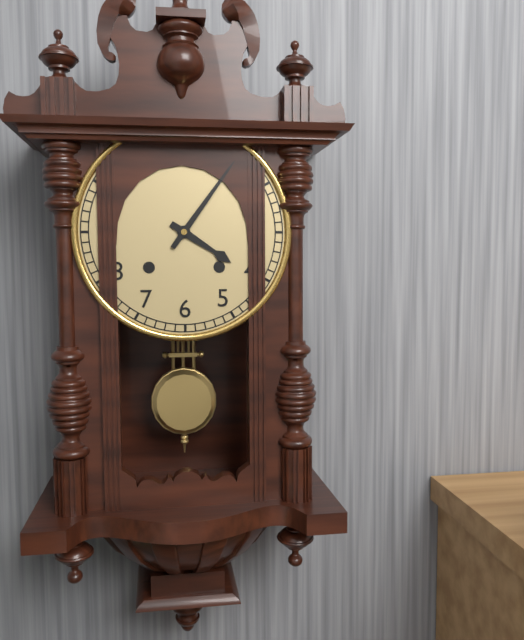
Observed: 4:06
